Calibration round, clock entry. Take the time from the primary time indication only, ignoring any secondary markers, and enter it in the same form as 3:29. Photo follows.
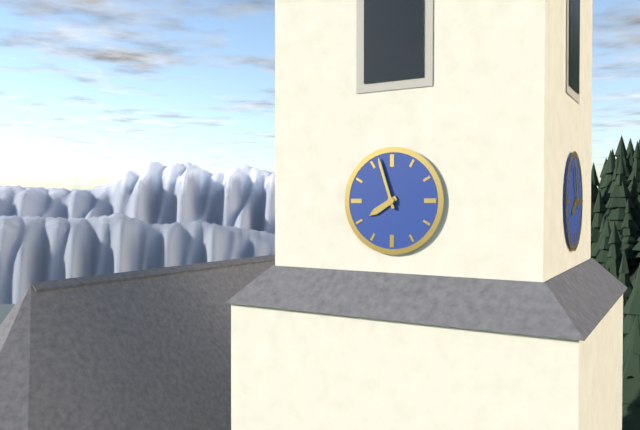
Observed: 7:57
